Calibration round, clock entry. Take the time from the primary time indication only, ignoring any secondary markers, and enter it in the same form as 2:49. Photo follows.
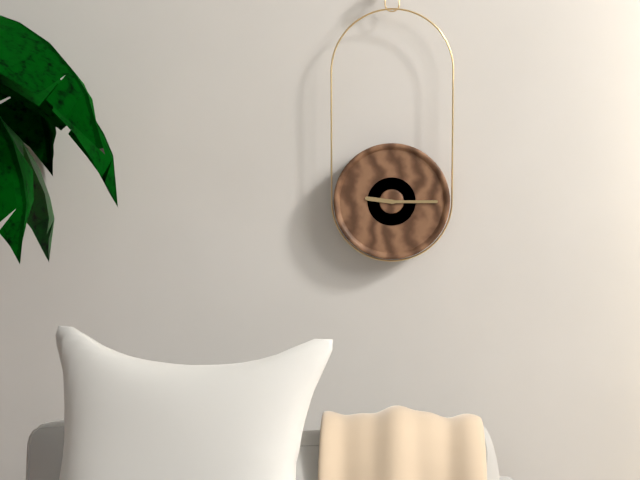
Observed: 9:15
